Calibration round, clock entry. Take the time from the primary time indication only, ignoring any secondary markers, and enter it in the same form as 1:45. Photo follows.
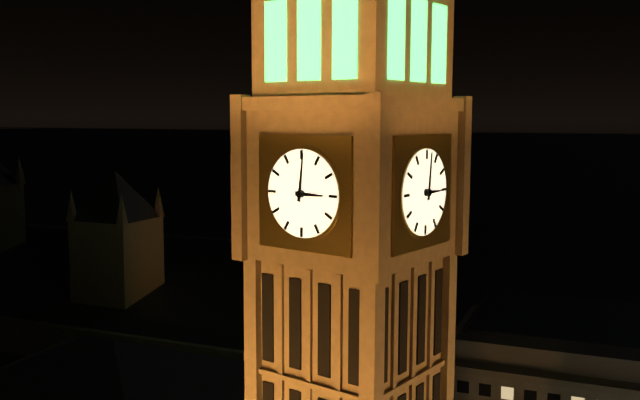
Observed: 3:01
